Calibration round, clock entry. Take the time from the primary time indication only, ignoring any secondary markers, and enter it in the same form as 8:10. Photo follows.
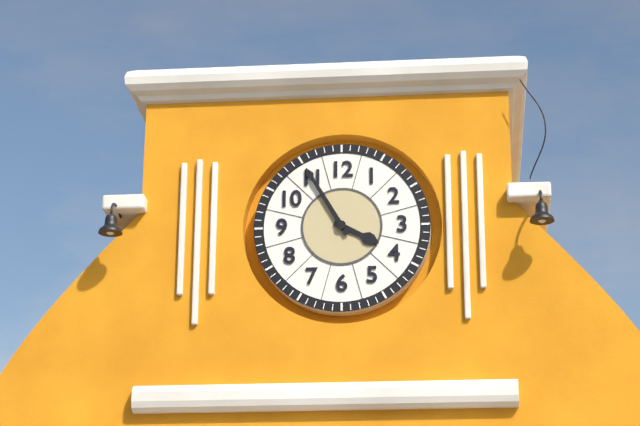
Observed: 3:55
